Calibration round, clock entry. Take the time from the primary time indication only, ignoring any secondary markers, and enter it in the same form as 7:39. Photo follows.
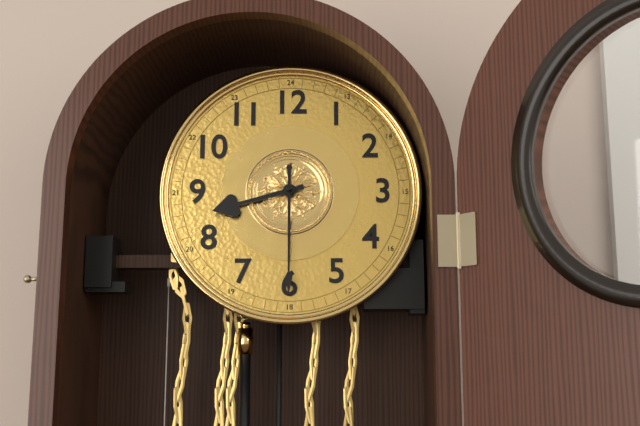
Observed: 8:30
